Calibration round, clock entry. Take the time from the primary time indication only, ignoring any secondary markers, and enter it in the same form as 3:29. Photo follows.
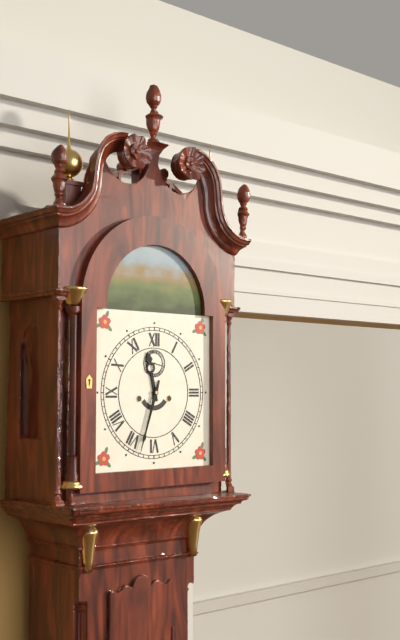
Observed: 11:33
